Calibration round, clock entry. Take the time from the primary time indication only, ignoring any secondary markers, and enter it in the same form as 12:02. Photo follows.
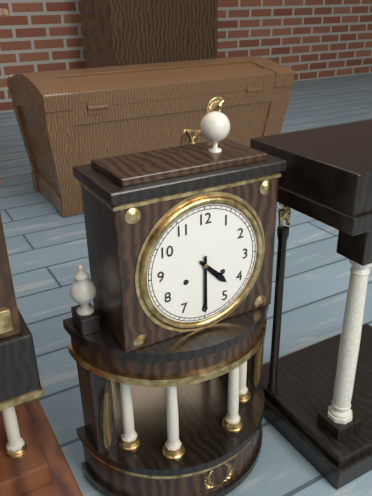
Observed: 4:30
